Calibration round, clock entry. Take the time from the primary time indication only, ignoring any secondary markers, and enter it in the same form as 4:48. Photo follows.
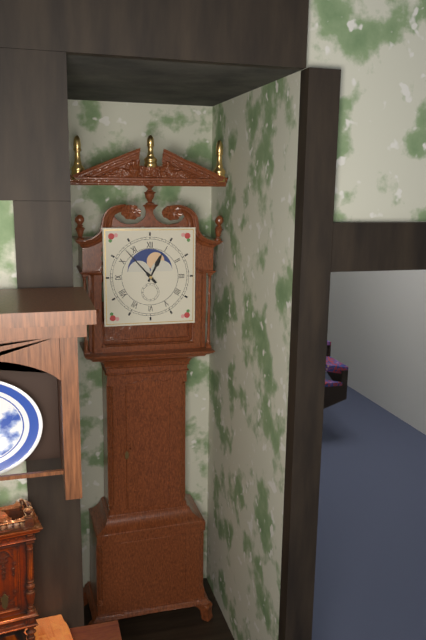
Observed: 12:53
